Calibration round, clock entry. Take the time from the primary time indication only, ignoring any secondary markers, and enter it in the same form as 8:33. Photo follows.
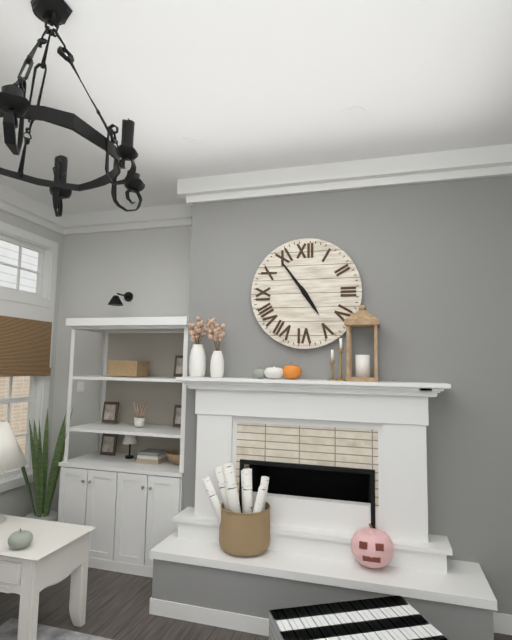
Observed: 4:54
